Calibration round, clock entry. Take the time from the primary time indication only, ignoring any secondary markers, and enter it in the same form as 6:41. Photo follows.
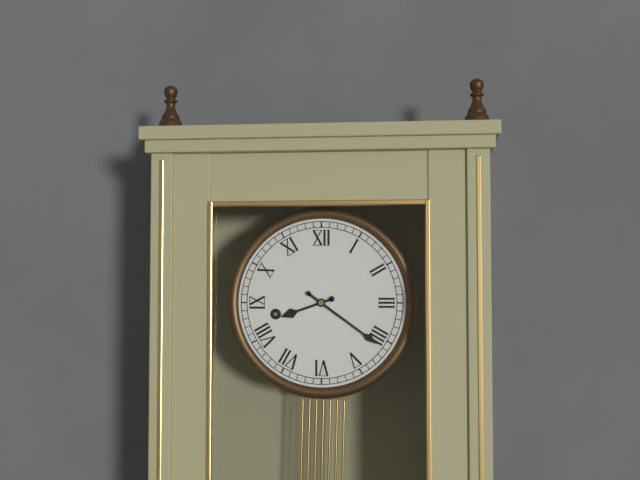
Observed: 8:21
